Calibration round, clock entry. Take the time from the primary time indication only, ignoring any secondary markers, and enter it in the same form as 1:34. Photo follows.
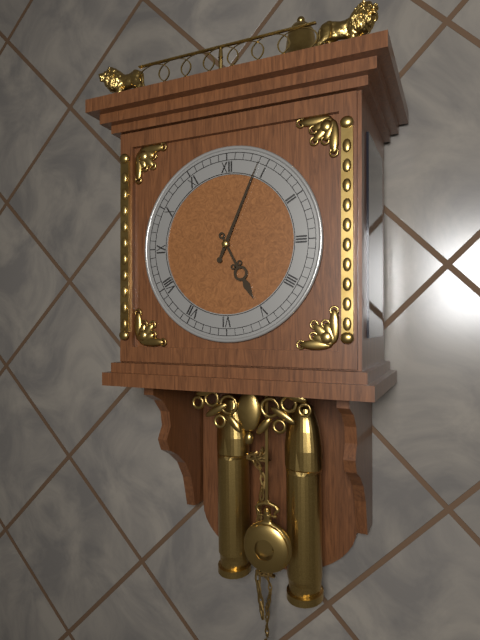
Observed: 5:04
